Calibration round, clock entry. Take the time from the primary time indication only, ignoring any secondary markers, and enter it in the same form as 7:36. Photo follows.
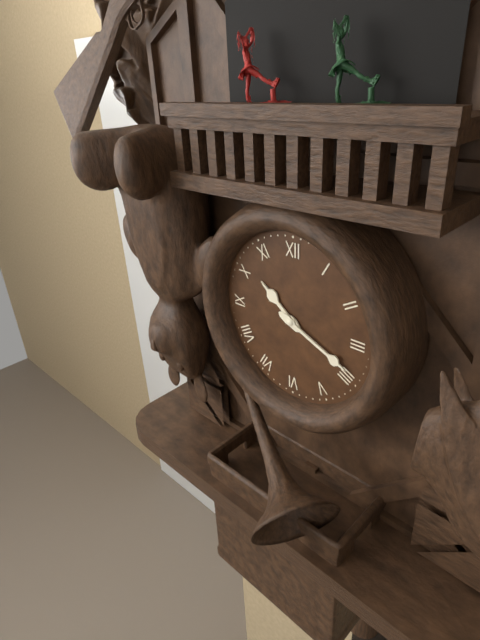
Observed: 10:19
